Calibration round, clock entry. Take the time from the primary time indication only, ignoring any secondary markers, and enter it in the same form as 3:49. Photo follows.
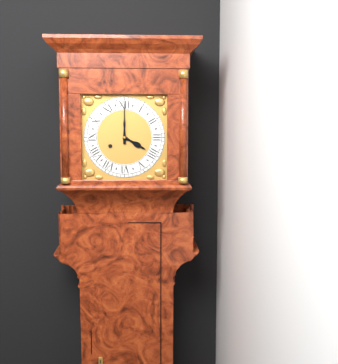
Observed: 4:00
